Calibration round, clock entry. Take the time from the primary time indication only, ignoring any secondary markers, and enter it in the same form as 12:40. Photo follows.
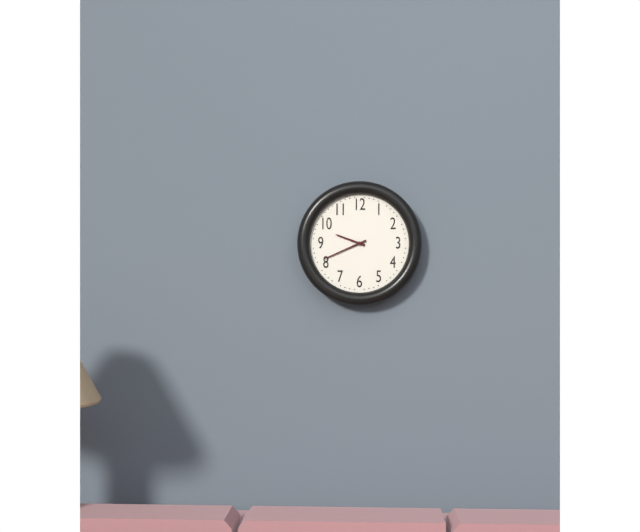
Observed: 9:41
